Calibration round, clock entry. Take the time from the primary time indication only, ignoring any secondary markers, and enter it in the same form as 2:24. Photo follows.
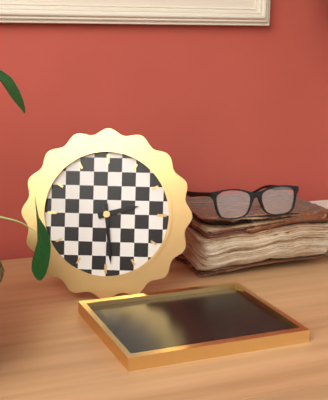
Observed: 2:29
